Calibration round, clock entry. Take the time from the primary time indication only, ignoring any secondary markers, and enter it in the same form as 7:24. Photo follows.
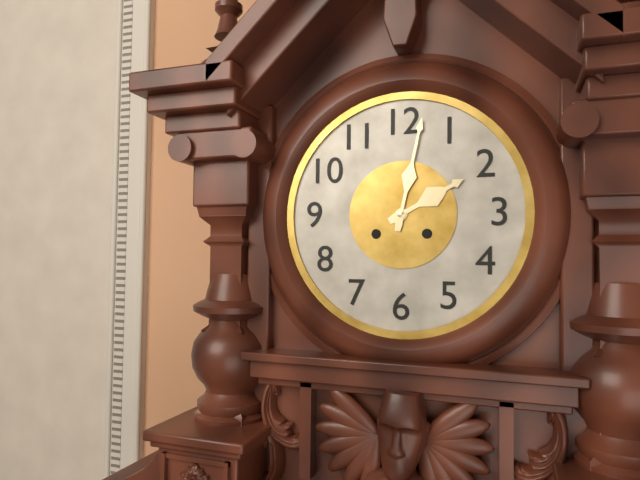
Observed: 2:02
